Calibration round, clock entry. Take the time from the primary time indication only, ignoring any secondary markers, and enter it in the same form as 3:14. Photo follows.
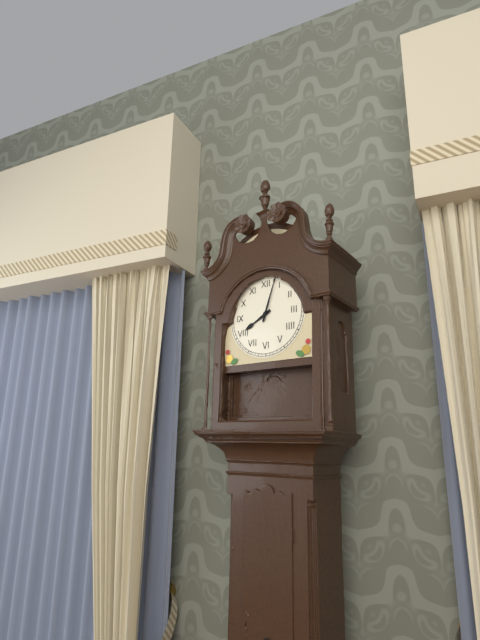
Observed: 8:03
